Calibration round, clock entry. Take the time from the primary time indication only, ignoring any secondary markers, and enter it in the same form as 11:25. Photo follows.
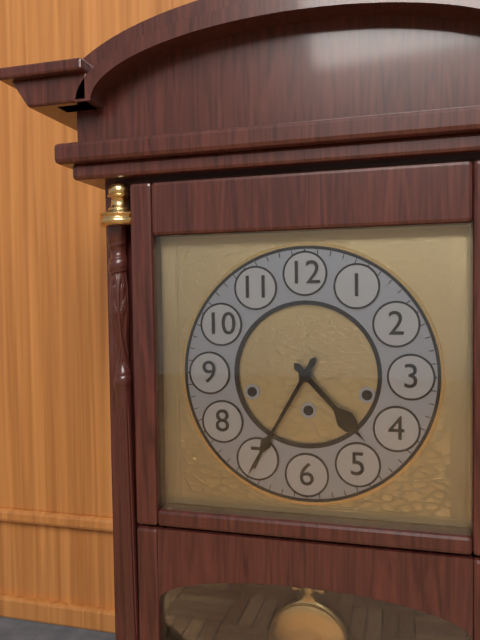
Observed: 4:35
